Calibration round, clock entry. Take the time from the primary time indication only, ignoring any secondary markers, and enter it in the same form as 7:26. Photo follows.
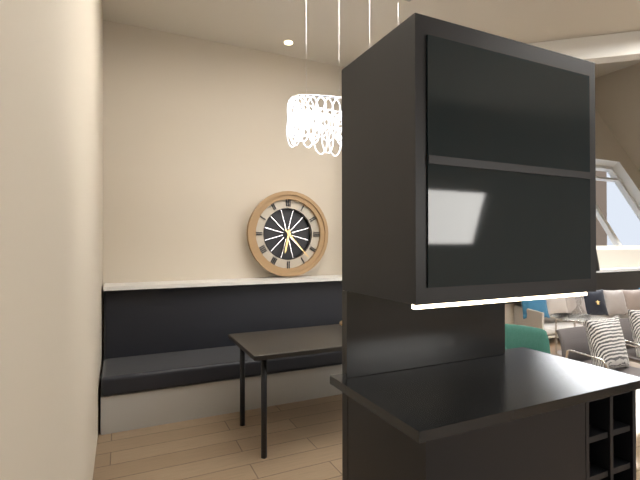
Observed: 6:23
